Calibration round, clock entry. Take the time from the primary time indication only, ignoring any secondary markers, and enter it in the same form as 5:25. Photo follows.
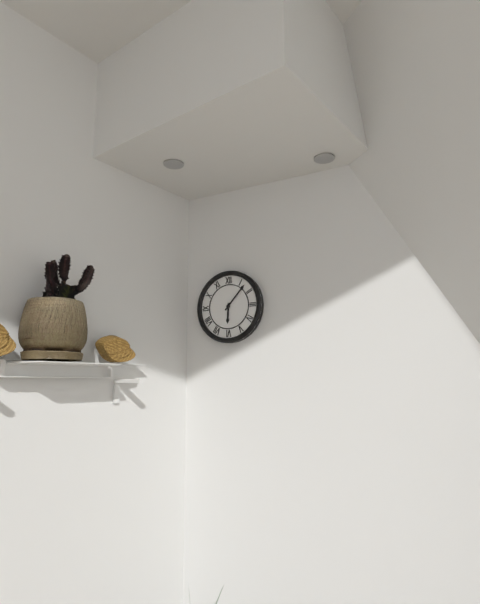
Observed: 6:07
